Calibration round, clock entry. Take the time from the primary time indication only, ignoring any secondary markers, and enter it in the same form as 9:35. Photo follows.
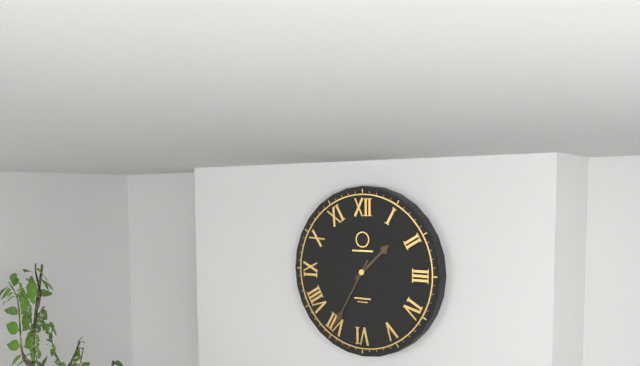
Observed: 1:35
